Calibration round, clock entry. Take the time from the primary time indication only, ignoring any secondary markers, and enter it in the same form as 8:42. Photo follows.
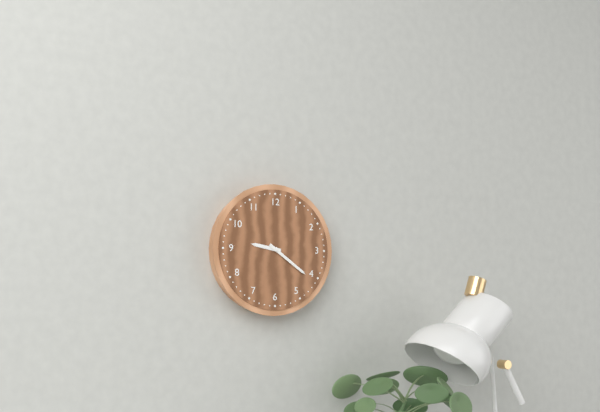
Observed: 9:21
